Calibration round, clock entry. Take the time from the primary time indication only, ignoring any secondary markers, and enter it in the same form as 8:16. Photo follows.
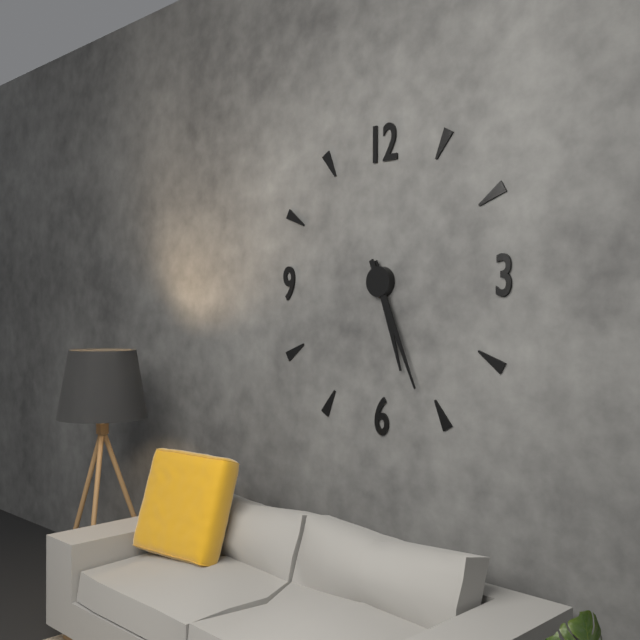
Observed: 5:26
